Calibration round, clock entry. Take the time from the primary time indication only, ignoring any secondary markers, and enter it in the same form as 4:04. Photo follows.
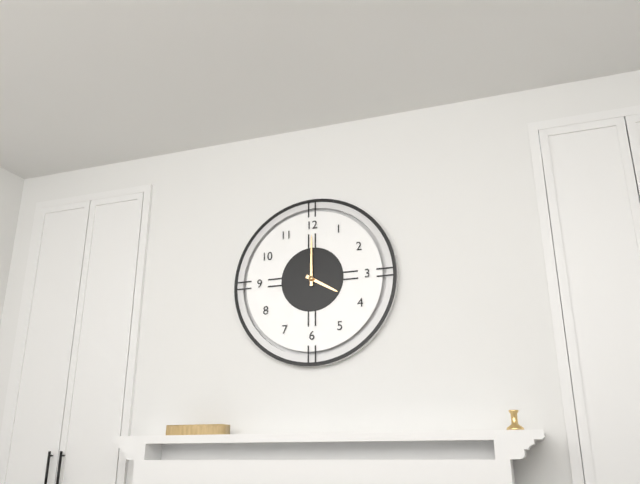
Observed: 4:00
